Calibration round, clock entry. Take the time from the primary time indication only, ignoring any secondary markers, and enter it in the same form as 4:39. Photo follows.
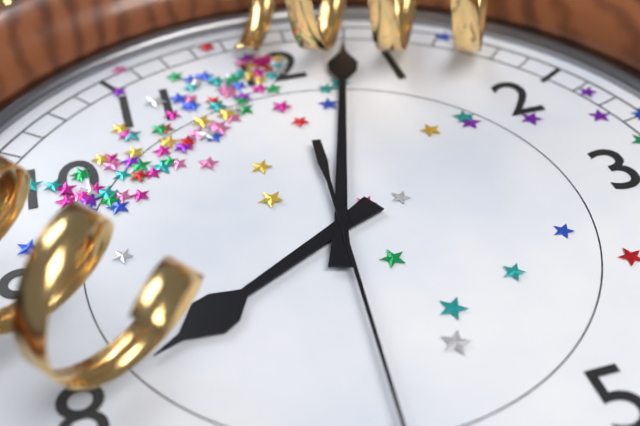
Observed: 8:03
